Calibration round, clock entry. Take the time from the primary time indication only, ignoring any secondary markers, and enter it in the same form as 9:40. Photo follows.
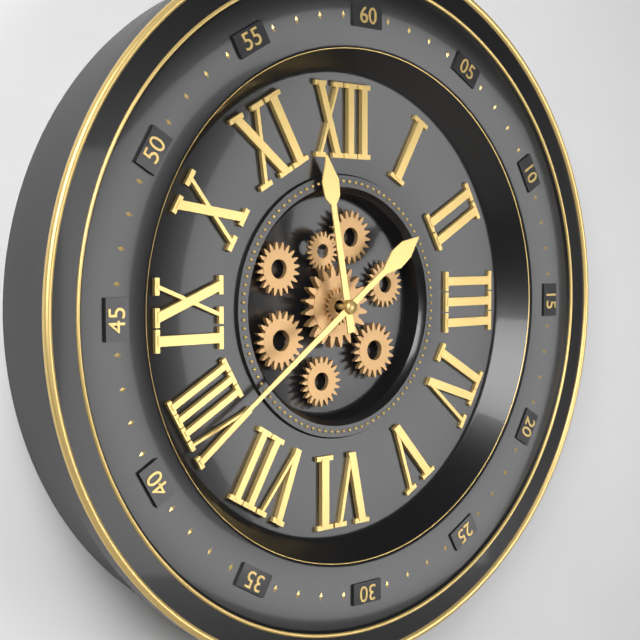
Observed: 11:39
